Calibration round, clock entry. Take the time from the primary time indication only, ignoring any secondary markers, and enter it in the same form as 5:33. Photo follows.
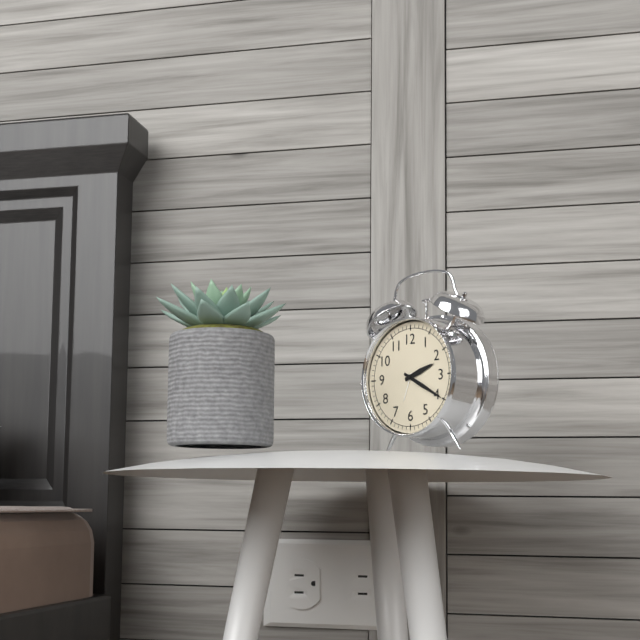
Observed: 2:20
